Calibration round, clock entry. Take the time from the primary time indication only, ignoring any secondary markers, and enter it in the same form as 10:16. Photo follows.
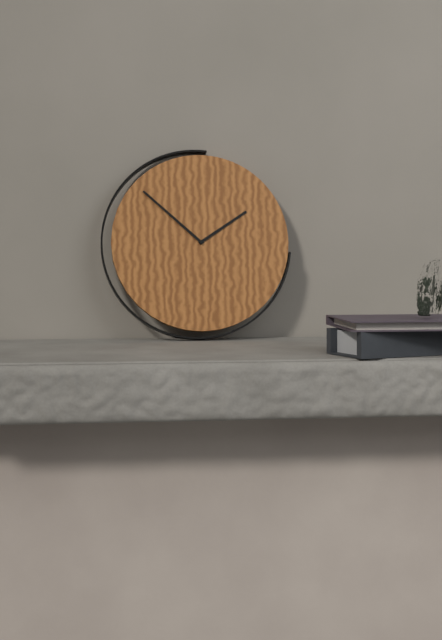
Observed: 1:52
